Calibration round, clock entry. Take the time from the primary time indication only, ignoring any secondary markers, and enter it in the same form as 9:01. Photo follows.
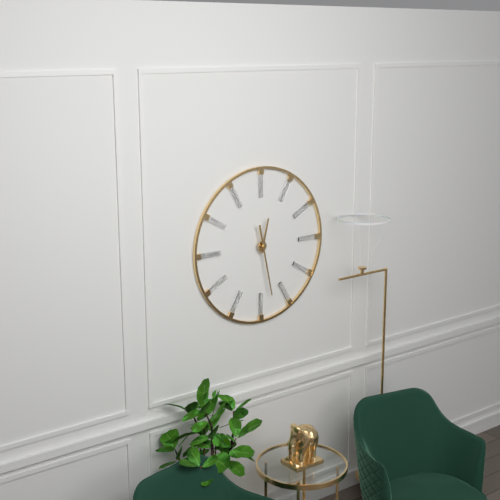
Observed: 12:28
